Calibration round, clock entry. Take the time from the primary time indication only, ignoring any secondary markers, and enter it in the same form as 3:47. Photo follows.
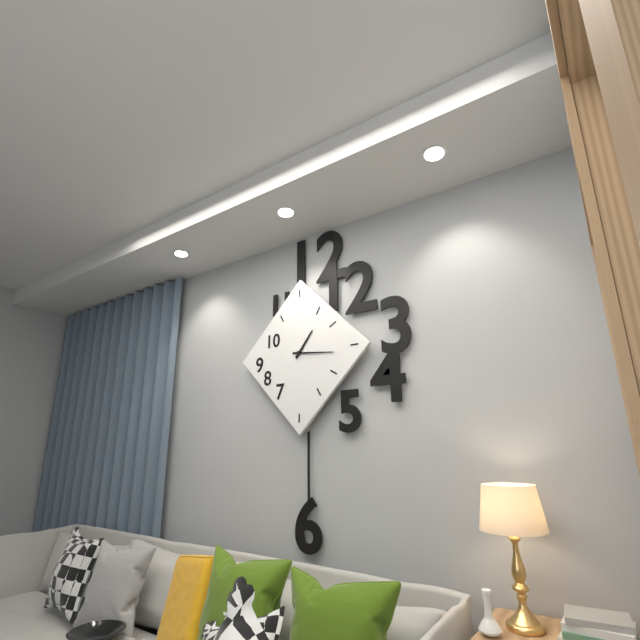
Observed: 1:16
